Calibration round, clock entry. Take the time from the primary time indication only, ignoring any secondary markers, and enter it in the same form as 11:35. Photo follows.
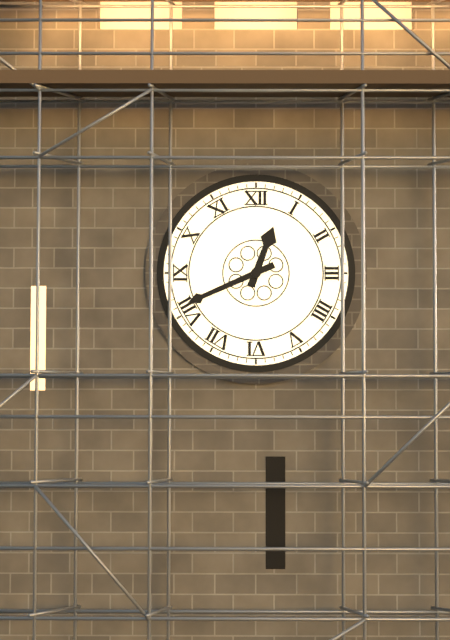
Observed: 12:41
